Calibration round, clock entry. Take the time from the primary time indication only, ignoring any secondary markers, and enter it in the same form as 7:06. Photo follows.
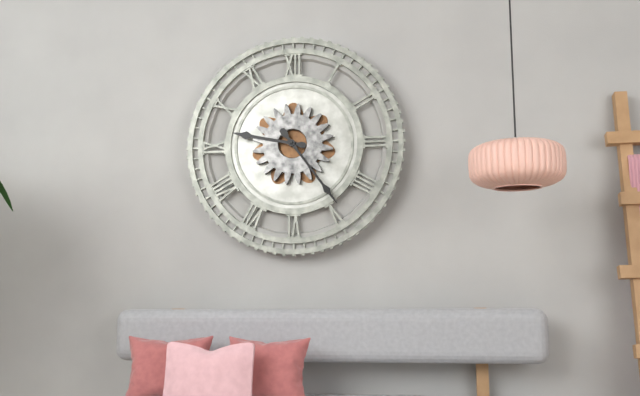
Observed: 9:24
